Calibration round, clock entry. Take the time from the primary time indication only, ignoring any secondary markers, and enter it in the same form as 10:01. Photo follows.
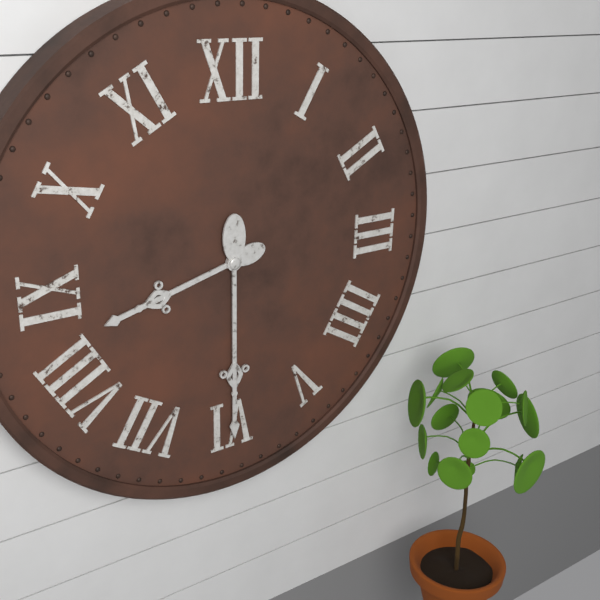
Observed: 8:30
